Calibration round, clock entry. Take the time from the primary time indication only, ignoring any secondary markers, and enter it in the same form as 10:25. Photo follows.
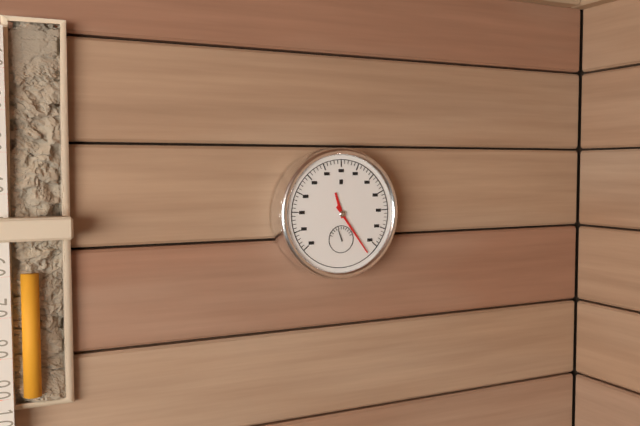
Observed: 11:24
